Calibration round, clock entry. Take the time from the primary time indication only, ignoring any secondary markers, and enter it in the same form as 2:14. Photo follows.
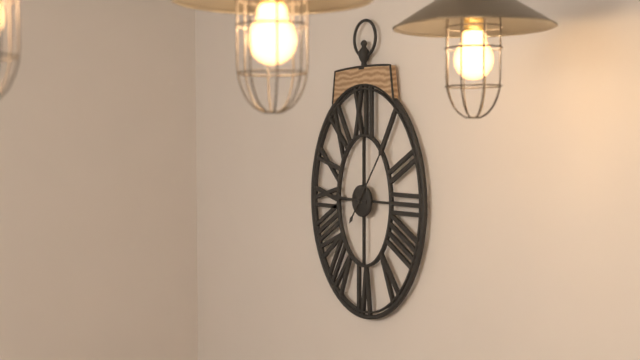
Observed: 9:06
